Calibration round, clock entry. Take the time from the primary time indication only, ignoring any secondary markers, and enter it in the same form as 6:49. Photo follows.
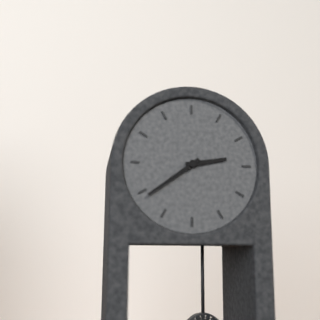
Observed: 2:39
